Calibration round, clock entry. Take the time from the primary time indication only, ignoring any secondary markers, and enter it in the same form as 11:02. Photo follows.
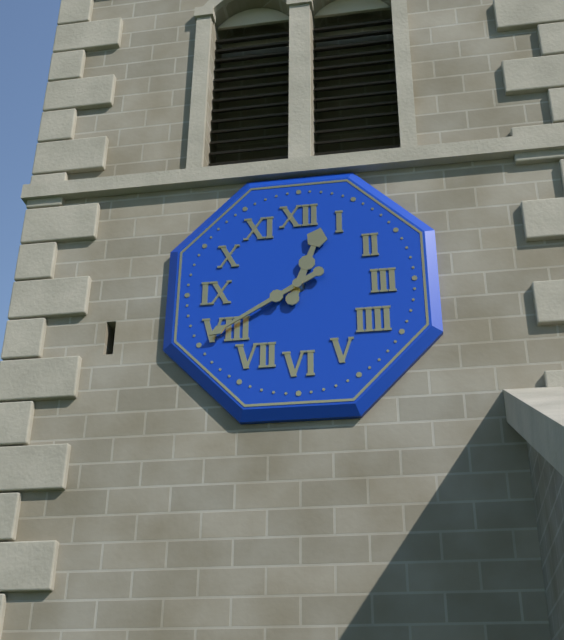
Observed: 12:40
